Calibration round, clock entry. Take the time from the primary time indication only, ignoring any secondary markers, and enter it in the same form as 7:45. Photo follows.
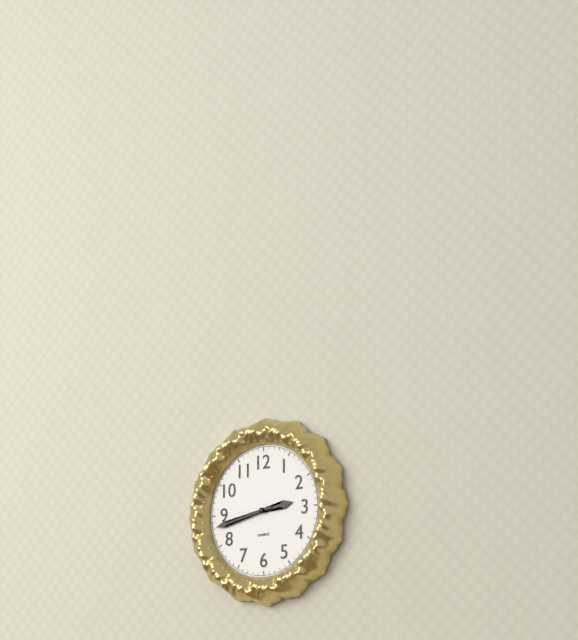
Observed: 2:43
